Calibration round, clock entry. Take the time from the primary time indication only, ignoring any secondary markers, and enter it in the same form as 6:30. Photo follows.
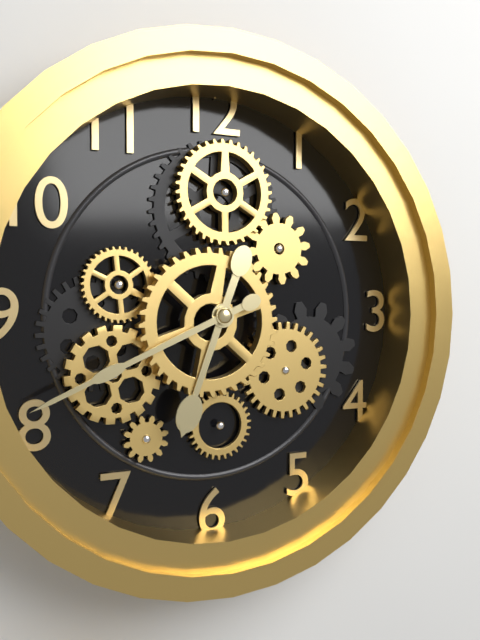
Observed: 6:41
